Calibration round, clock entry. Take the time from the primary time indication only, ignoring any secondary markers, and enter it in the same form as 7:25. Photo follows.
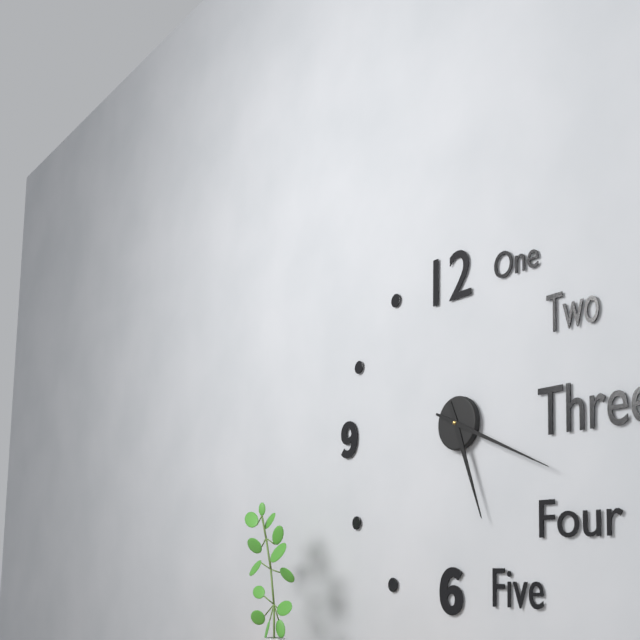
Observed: 5:19
